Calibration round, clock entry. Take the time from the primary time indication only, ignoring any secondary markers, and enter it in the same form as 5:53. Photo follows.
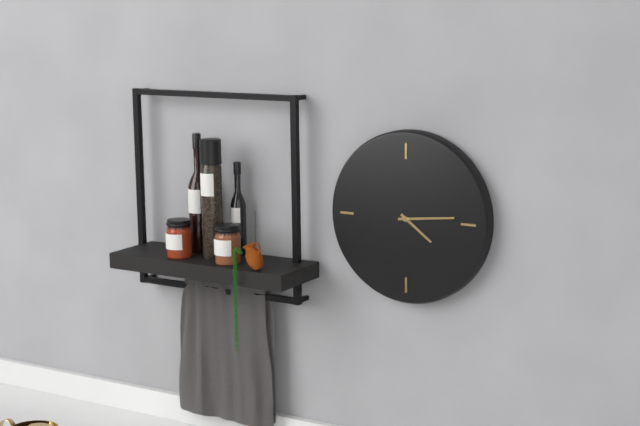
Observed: 4:14
